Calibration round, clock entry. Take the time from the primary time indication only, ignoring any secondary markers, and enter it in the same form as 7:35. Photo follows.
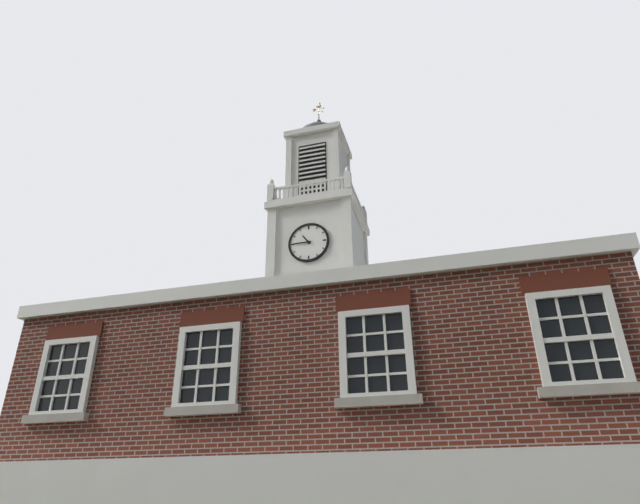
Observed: 10:45
